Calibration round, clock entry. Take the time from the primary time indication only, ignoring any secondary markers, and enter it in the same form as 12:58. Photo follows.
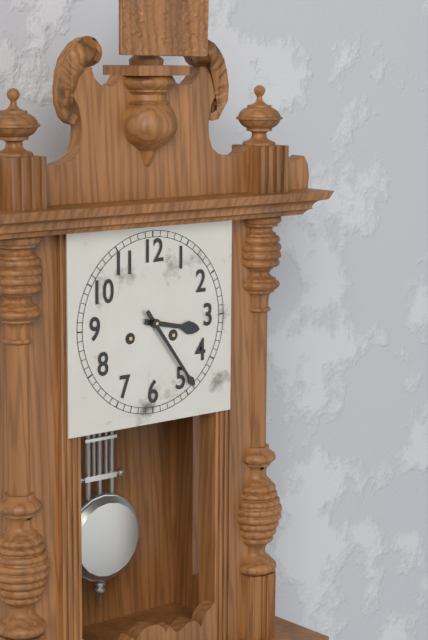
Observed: 3:24
